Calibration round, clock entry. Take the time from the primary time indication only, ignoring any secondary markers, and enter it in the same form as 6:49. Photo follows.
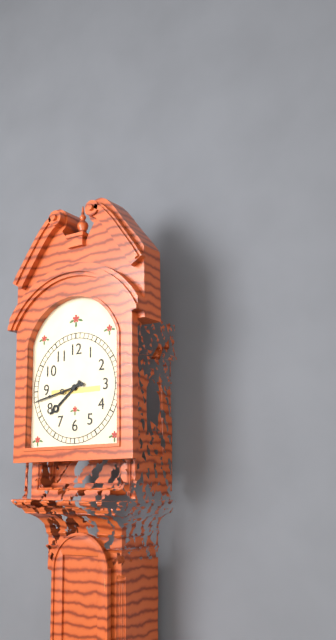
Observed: 7:43
